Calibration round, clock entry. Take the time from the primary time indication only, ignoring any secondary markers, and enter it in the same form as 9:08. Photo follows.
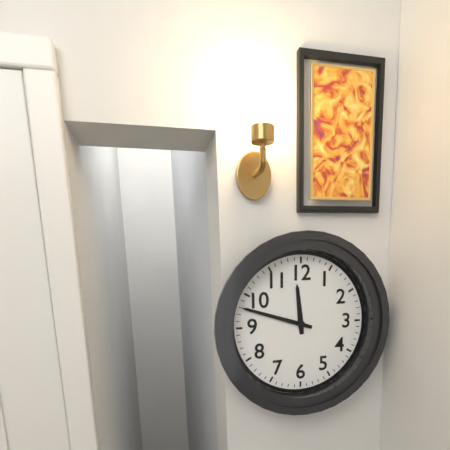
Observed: 11:48
